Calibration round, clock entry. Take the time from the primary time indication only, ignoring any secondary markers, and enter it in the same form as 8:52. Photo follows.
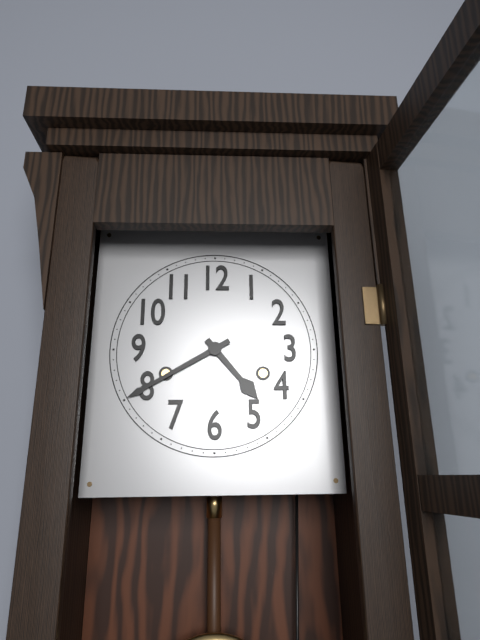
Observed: 4:40
